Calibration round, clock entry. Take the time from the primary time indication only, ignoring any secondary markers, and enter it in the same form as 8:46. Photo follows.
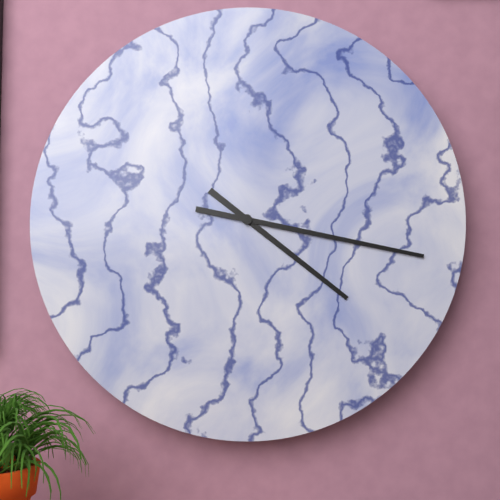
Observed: 4:17
